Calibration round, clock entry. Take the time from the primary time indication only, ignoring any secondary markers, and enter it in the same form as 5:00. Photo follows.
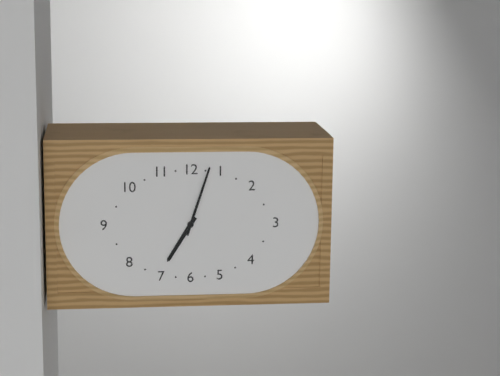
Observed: 7:03
